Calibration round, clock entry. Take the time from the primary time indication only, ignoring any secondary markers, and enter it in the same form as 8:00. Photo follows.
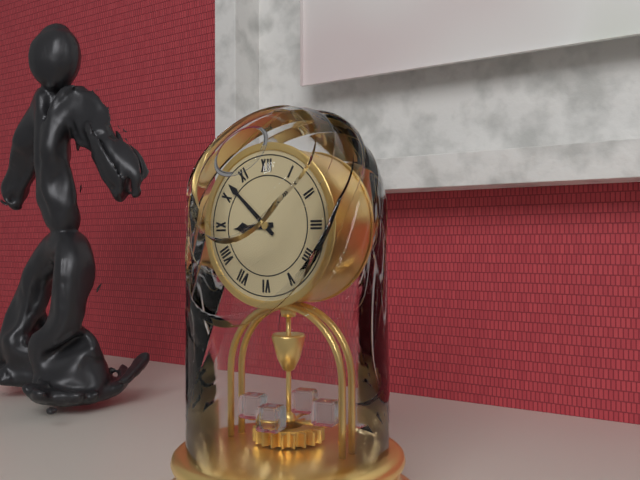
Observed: 8:52
